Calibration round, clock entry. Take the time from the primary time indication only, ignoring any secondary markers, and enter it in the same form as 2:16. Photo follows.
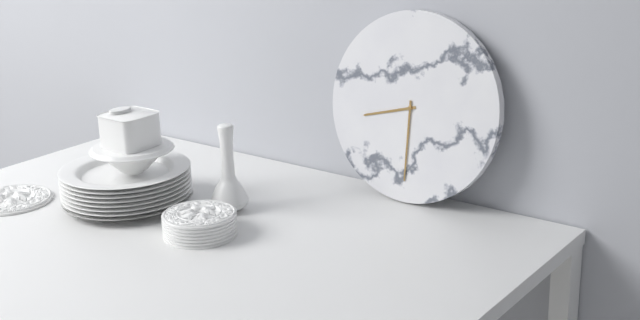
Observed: 8:30
